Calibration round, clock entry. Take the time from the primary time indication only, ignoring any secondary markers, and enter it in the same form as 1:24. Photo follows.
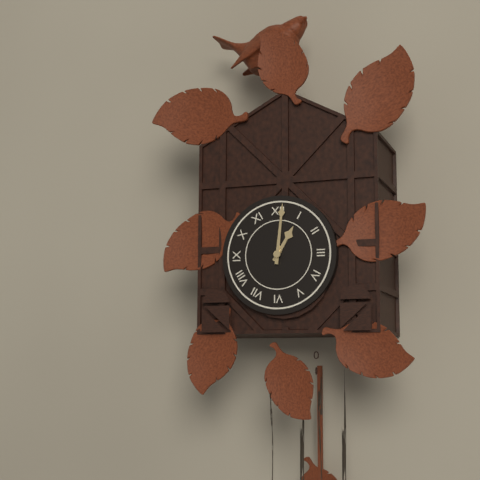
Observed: 1:01
